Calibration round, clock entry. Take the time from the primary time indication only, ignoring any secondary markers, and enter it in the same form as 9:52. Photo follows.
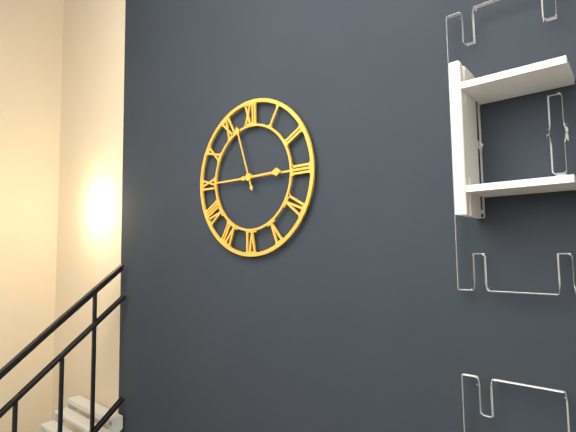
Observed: 2:57
